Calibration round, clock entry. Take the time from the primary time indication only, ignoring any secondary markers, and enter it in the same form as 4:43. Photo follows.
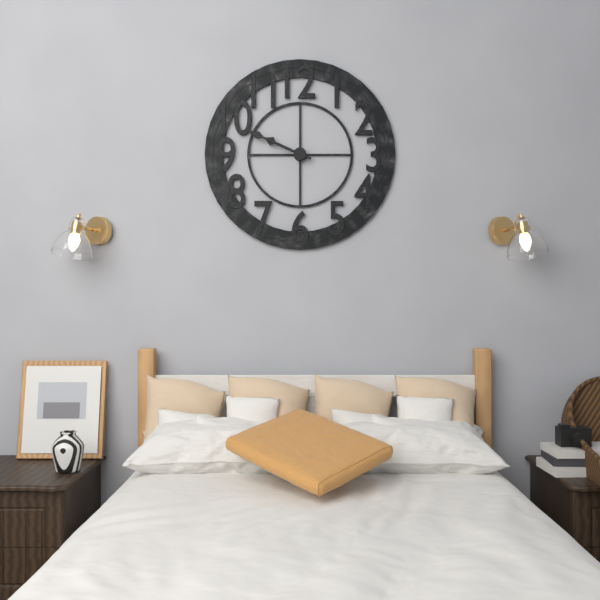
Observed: 9:49
